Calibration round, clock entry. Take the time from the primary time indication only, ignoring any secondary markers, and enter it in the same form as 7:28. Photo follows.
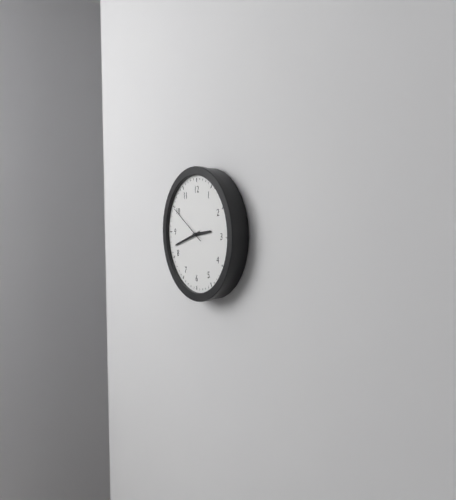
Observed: 2:42
